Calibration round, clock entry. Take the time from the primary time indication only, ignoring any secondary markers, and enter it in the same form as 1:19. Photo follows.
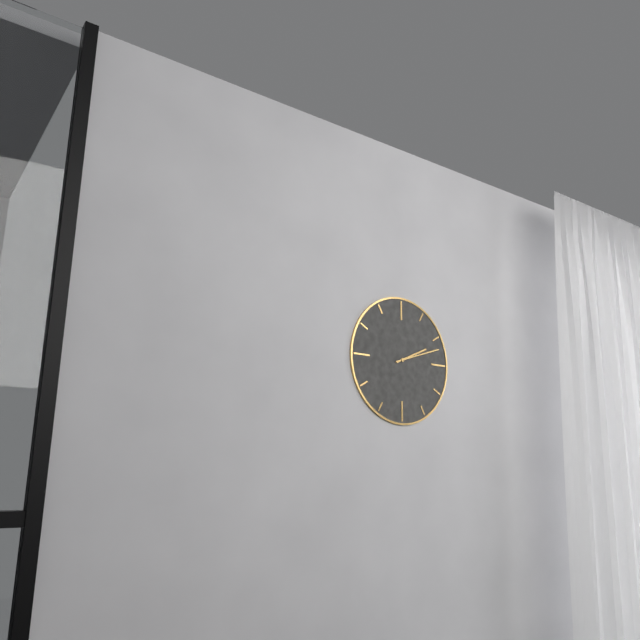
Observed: 2:12
